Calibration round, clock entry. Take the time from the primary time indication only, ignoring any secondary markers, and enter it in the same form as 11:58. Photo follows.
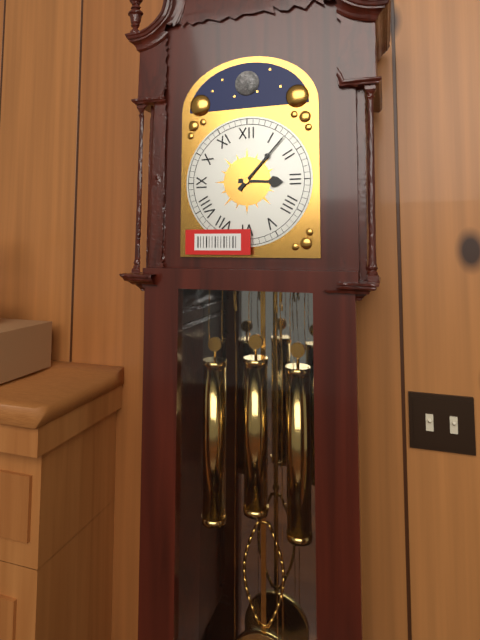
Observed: 3:07
